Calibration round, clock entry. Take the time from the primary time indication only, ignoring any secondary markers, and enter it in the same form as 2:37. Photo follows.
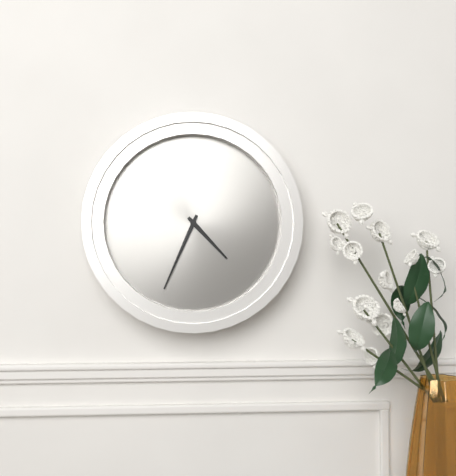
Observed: 4:34
